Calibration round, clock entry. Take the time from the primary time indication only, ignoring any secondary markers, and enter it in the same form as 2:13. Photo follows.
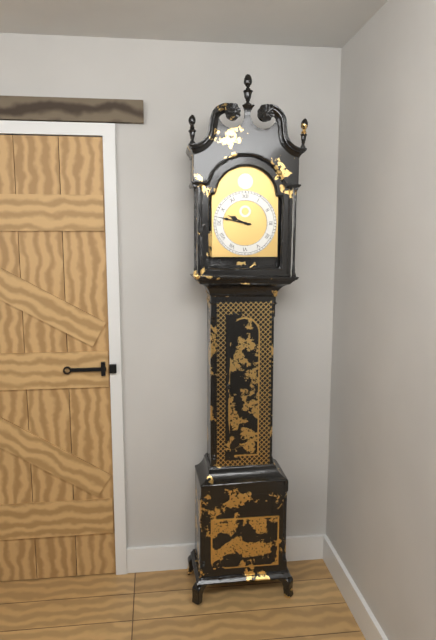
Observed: 9:47
